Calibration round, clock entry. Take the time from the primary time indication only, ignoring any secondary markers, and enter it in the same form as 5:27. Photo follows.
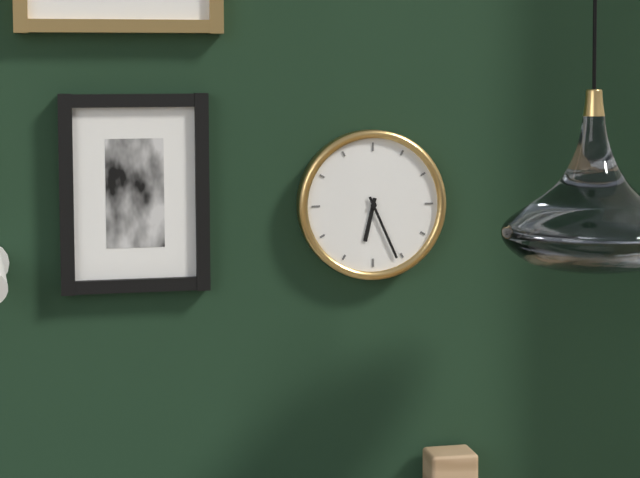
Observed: 6:26
